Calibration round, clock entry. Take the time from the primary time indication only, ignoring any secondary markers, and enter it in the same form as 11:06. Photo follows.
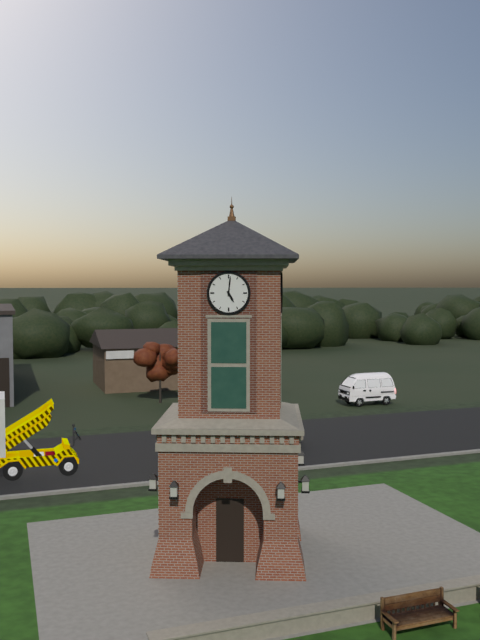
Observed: 5:01
